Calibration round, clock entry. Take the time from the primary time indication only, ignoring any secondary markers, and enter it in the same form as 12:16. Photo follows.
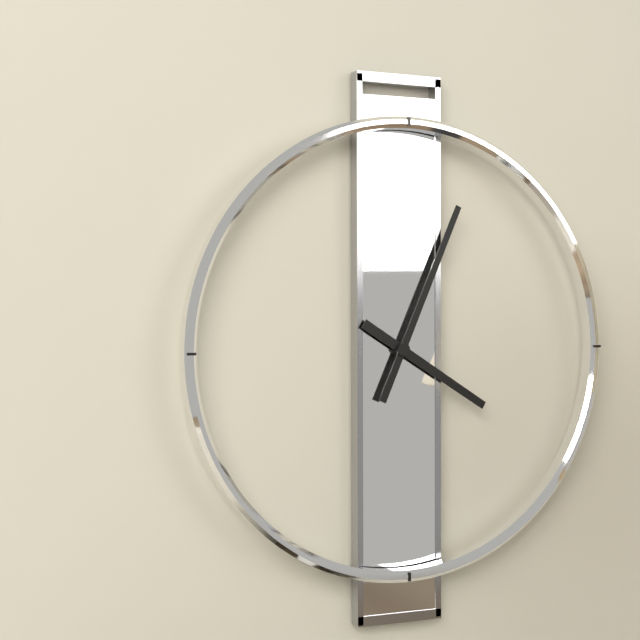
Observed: 4:04
